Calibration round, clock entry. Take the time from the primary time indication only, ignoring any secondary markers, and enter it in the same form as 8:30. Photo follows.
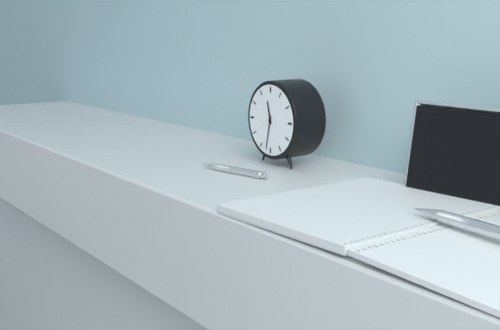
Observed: 11:32
